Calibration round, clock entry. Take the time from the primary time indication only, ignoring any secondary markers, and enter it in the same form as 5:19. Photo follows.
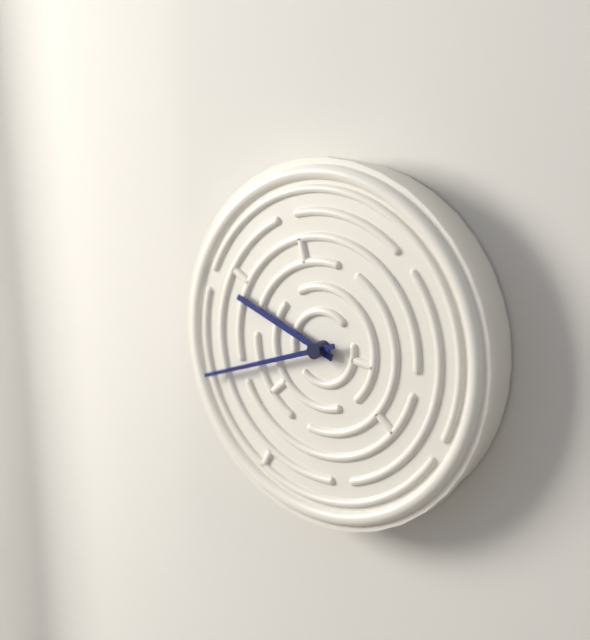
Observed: 9:42
